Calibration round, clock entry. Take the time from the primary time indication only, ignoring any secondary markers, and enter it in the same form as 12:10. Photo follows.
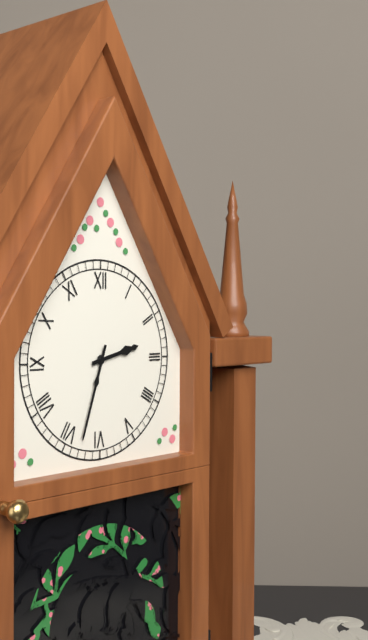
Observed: 2:33
